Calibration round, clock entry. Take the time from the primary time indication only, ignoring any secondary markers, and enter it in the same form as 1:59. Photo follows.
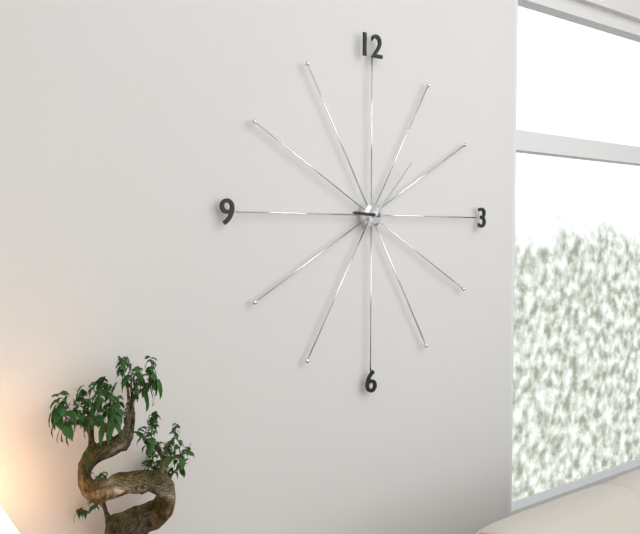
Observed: 9:07
